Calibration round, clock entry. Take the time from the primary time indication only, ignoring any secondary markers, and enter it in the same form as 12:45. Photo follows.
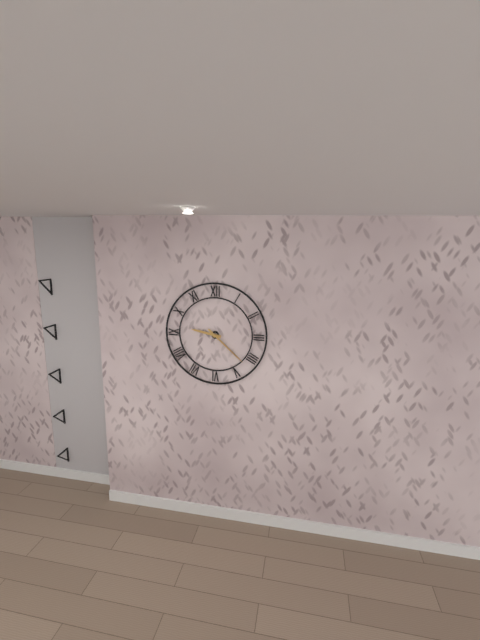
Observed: 9:22
